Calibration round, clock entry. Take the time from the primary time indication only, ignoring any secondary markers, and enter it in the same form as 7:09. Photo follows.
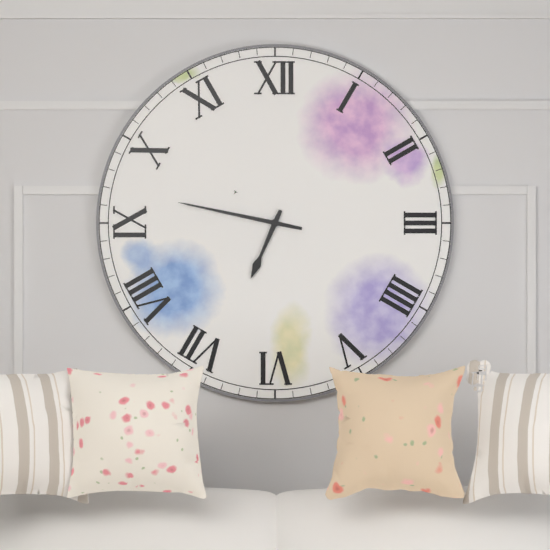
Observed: 6:47
